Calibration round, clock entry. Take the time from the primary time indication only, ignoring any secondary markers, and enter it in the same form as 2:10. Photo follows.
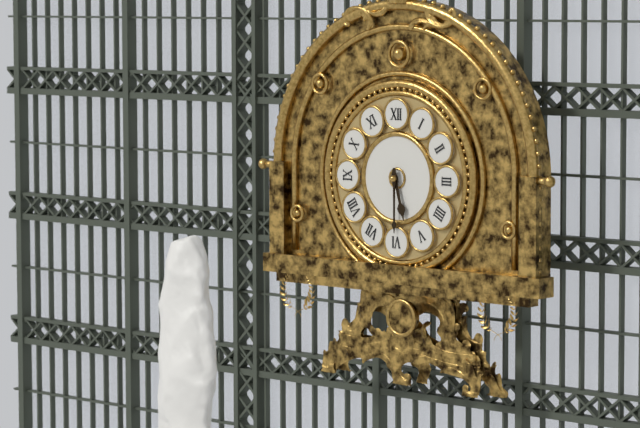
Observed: 5:30
